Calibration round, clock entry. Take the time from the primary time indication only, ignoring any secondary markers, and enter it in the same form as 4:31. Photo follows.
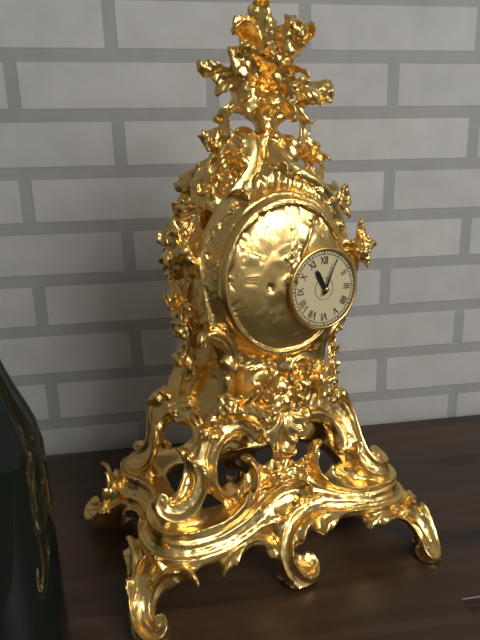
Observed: 11:04
